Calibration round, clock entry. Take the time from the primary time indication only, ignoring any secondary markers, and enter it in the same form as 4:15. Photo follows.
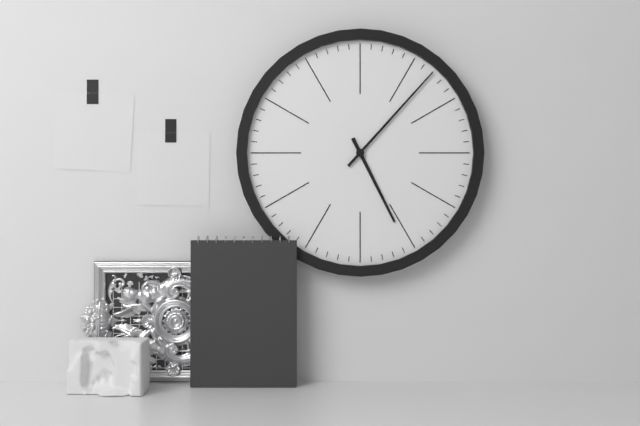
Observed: 5:07
